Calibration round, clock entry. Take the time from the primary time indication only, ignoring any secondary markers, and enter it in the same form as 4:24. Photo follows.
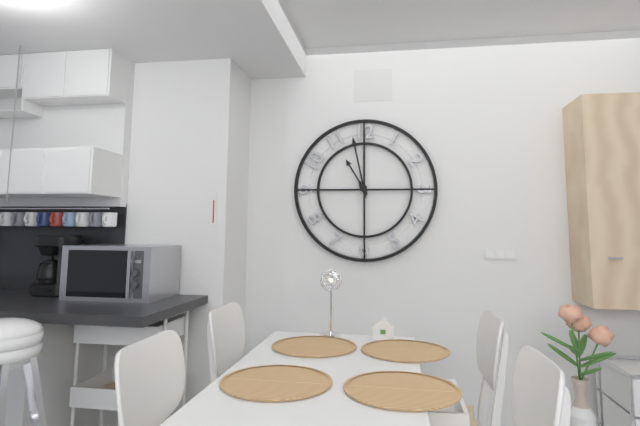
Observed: 10:58
